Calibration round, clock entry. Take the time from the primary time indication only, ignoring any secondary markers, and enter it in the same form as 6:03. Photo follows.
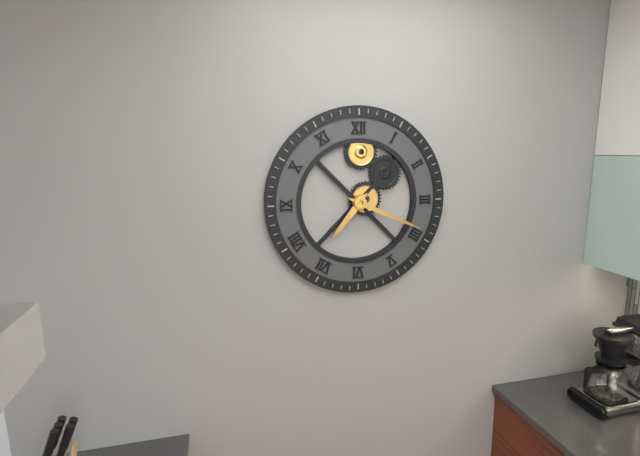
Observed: 7:19
